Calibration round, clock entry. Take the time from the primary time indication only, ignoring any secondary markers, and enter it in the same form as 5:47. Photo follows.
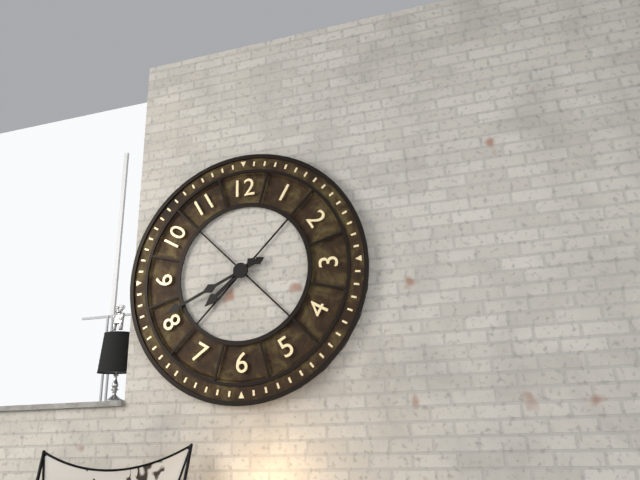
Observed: 7:41
